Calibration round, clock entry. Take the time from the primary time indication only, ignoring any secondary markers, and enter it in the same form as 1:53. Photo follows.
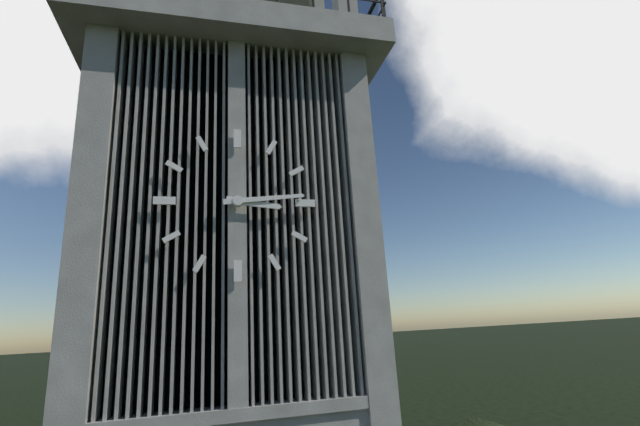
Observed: 3:14
